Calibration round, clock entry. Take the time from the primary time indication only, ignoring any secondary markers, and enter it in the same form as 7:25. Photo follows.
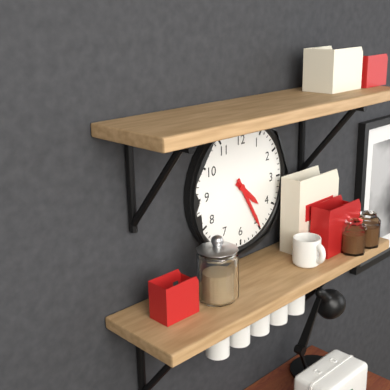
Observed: 4:25
